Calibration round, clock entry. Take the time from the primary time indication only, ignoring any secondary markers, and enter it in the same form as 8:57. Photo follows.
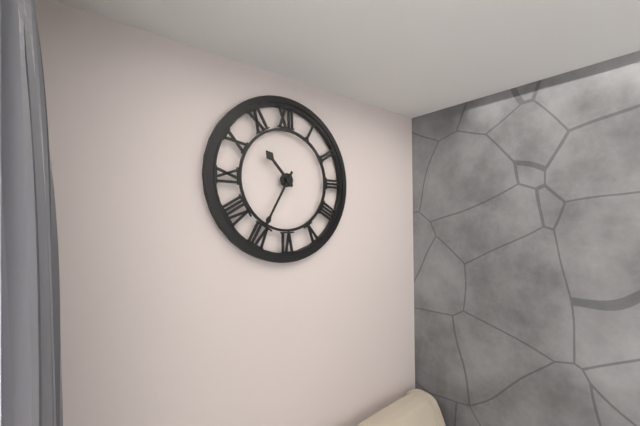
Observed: 10:35
